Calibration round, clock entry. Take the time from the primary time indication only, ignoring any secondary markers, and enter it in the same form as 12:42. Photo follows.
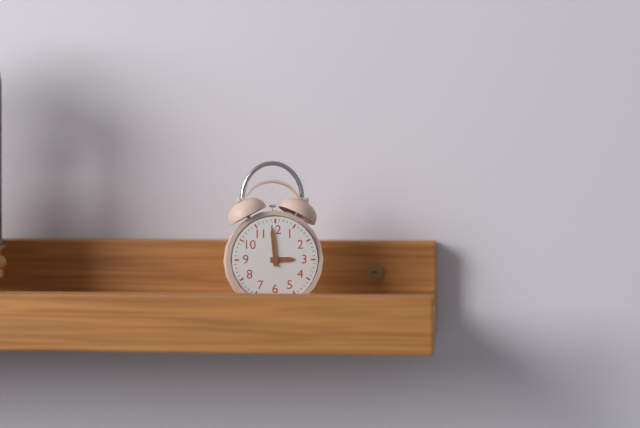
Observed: 2:59
